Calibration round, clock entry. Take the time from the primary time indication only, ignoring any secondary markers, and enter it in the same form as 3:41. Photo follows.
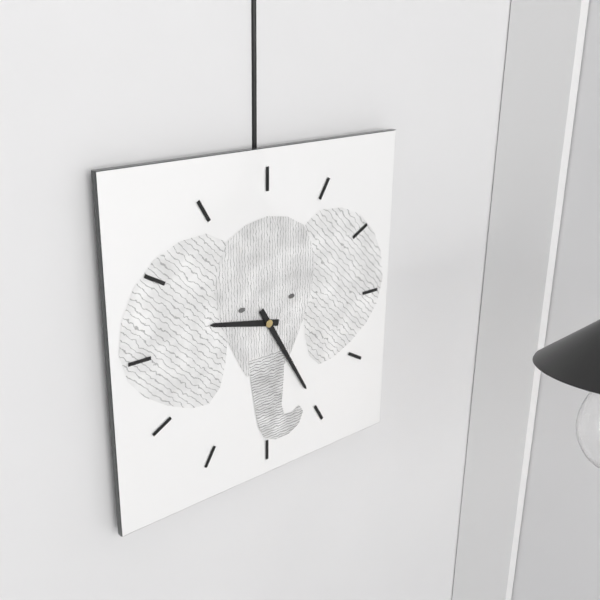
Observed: 9:25
